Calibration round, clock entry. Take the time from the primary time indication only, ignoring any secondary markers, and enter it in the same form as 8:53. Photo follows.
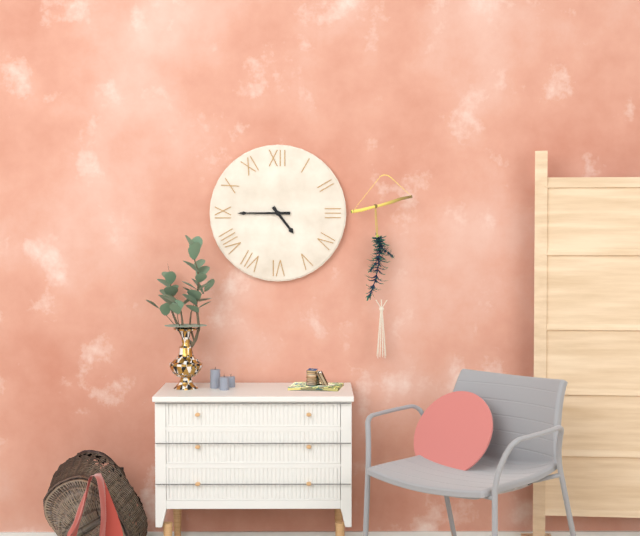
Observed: 4:45
